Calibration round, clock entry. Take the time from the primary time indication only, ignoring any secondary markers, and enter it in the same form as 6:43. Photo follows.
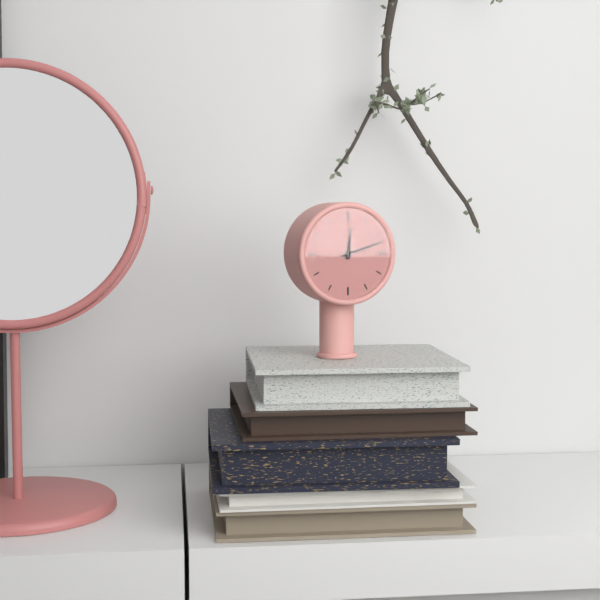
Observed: 12:12
